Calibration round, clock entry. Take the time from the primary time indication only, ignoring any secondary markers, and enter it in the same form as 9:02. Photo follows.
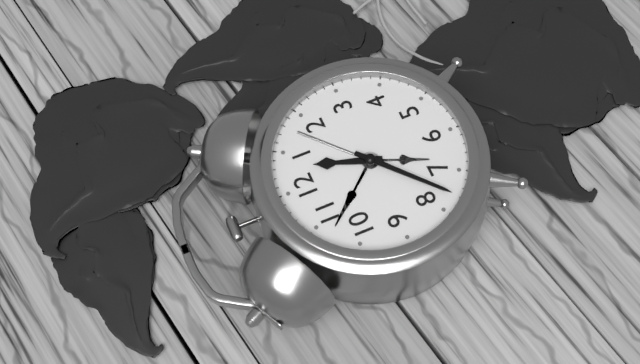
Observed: 12:38
